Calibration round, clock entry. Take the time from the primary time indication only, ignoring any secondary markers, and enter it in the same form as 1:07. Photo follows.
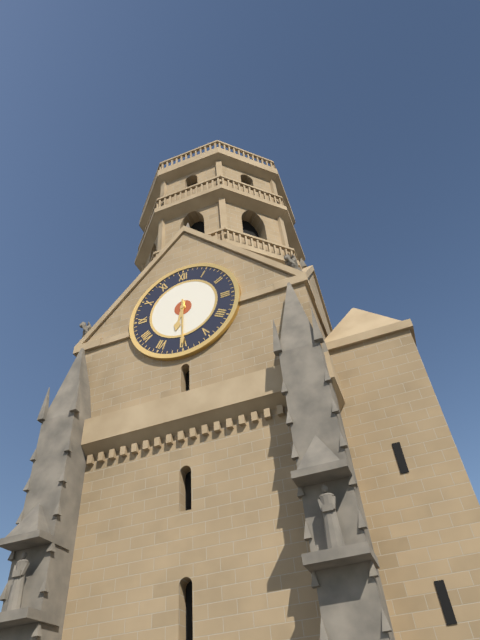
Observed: 6:30
